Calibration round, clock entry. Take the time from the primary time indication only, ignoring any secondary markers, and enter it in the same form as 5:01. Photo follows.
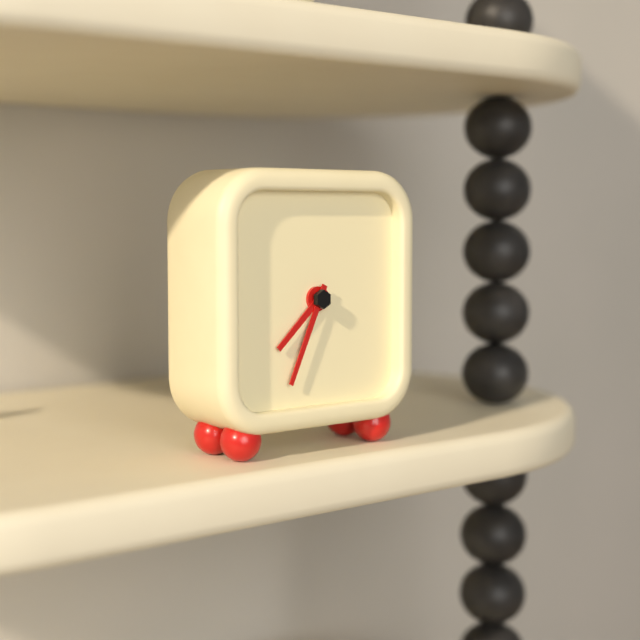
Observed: 7:34
